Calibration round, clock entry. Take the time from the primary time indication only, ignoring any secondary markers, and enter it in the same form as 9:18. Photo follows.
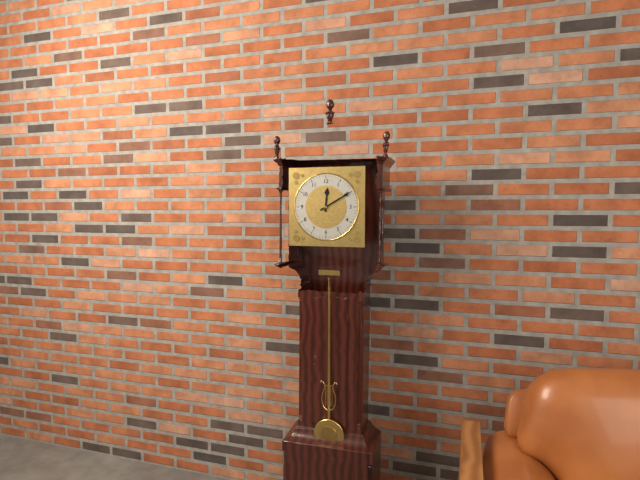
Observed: 12:10
